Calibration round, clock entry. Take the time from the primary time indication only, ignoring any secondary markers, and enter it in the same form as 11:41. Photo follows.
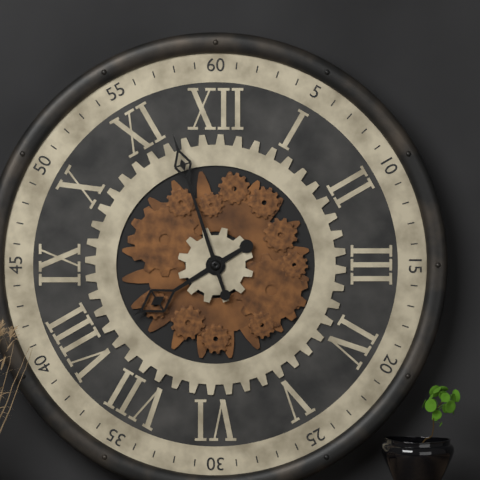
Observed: 7:57
